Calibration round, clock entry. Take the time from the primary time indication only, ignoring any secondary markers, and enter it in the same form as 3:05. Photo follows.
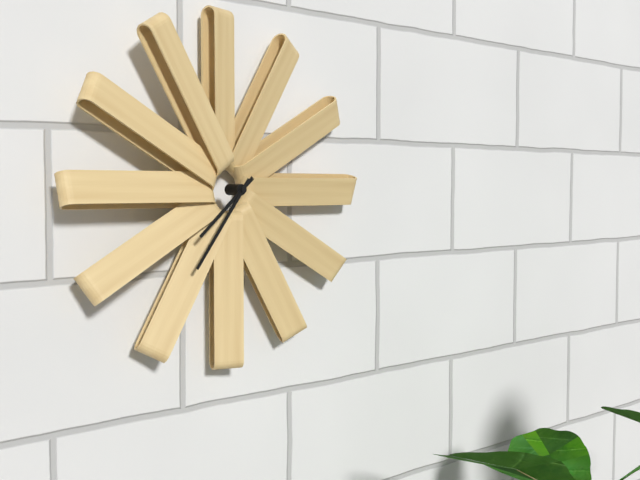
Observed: 7:36
